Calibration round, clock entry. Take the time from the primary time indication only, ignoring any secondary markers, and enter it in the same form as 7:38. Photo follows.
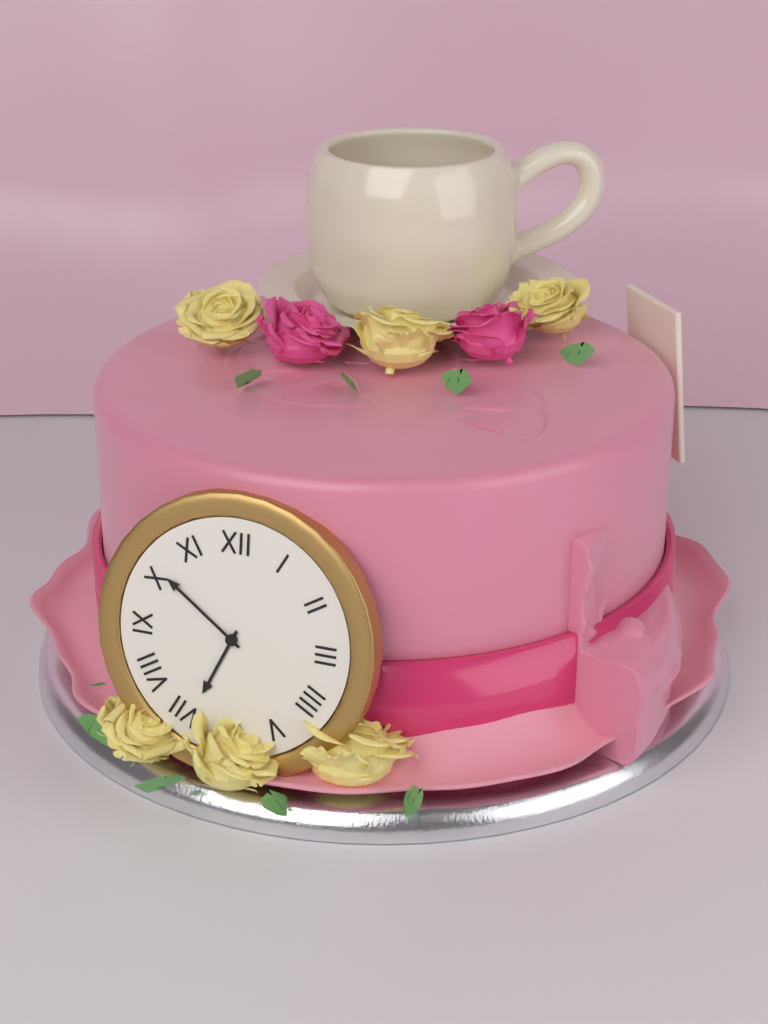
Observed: 6:51
